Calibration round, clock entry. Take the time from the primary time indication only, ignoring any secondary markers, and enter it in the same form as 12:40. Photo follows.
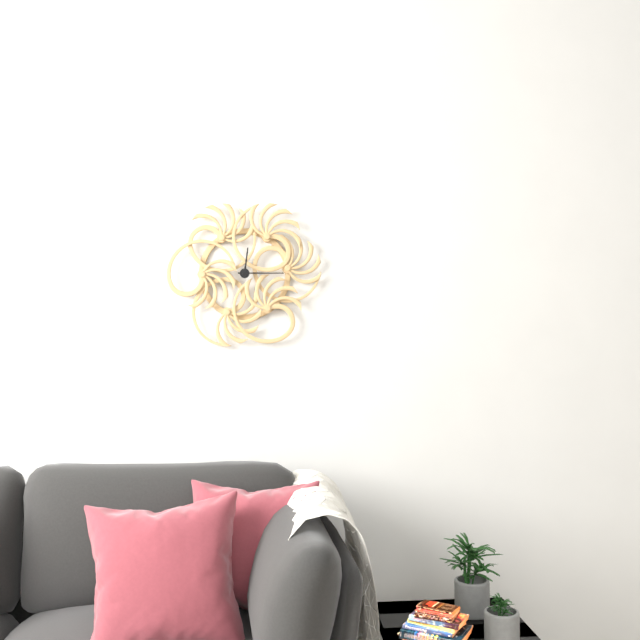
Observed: 12:15
